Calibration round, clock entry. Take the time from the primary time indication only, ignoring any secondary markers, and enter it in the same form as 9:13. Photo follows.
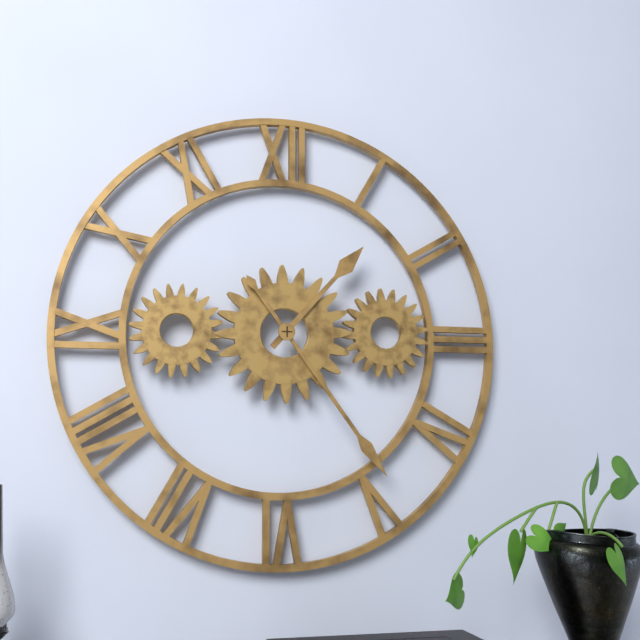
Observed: 1:24
